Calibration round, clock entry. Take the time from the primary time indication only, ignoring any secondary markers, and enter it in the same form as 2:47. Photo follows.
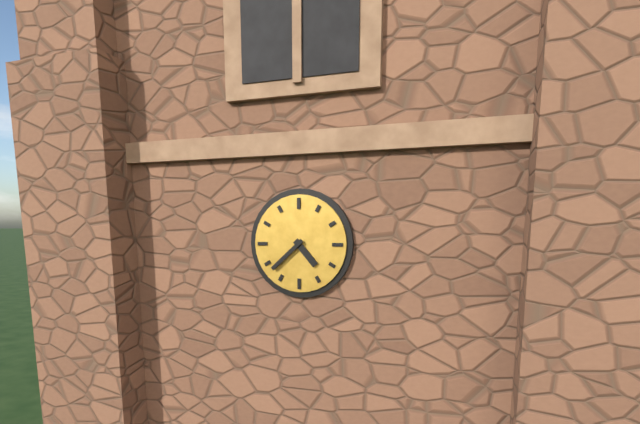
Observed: 4:38
